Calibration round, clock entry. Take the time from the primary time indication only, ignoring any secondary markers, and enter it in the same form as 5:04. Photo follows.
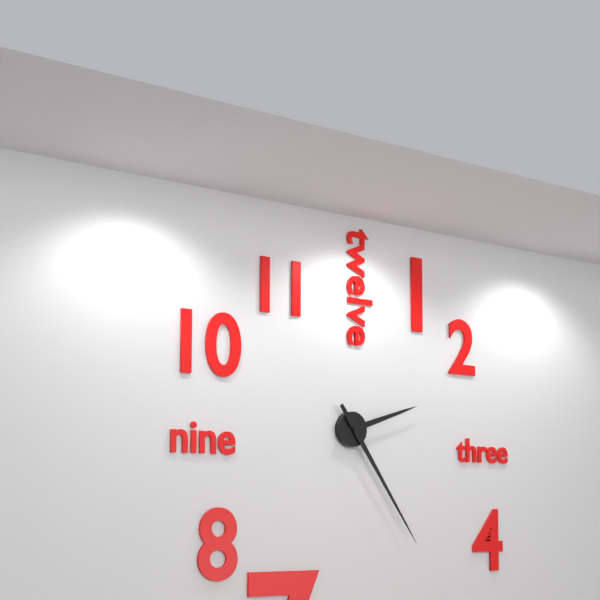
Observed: 2:24
